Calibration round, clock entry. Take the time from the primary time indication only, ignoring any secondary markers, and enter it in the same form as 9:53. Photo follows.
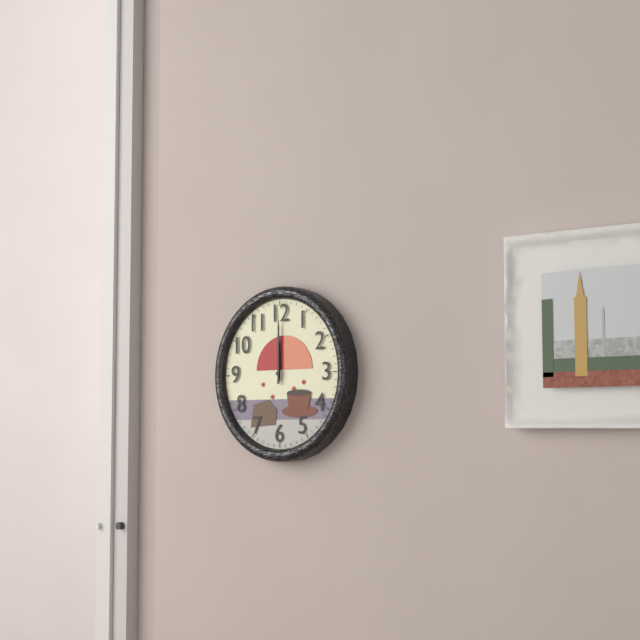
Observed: 12:00
